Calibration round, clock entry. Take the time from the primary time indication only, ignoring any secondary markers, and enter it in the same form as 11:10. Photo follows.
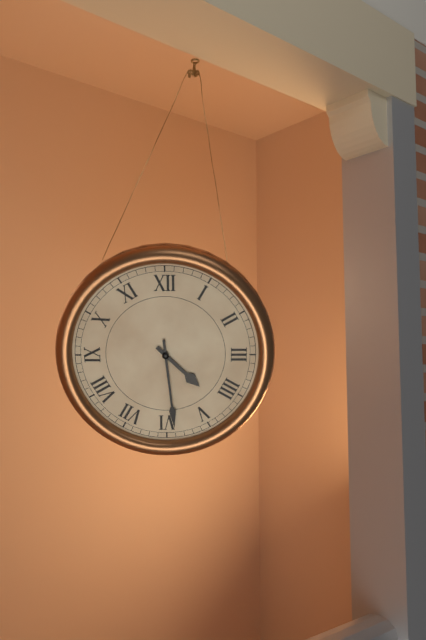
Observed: 4:29
